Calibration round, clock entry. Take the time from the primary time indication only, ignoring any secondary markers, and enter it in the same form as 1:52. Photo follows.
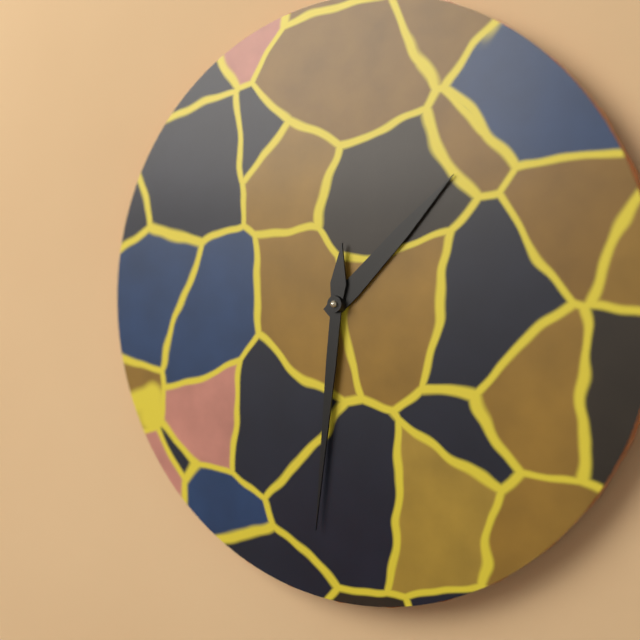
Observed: 1:31
